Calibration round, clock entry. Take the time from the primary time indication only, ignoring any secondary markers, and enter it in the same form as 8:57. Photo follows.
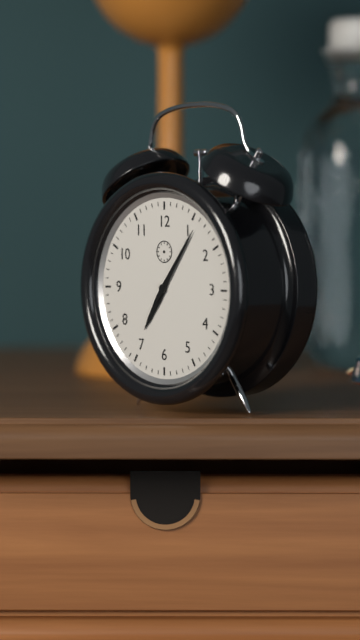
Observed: 7:06
